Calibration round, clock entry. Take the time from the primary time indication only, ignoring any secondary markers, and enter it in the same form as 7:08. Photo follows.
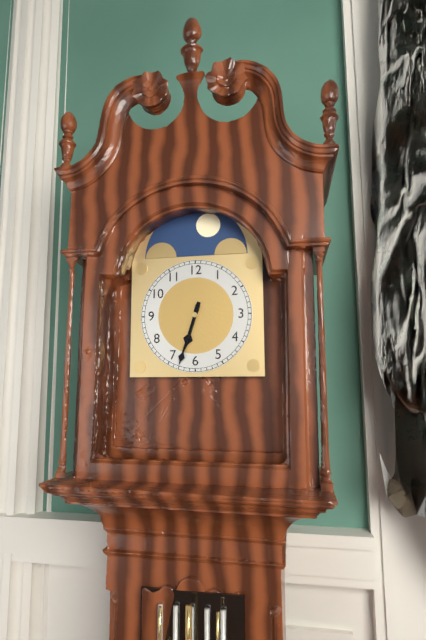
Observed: 6:33
